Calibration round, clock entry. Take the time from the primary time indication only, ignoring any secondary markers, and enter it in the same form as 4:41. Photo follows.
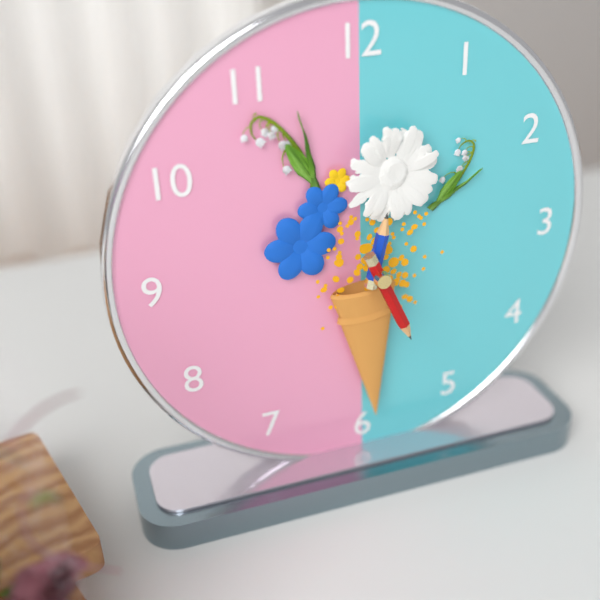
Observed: 12:26
